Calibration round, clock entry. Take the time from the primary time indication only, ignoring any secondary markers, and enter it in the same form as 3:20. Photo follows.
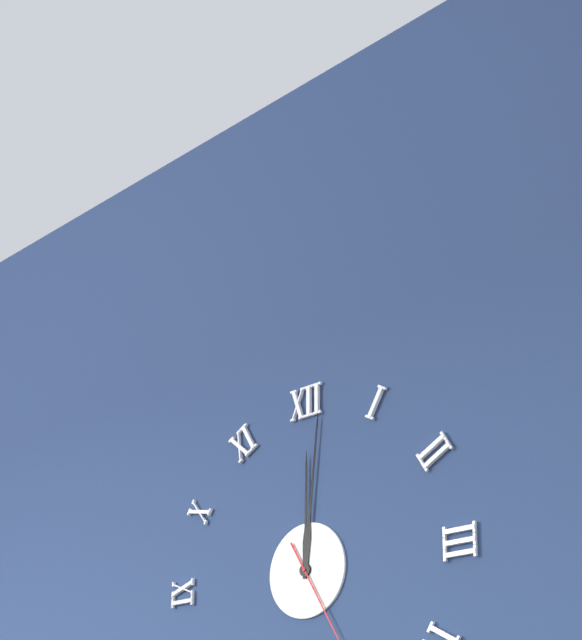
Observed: 12:01
